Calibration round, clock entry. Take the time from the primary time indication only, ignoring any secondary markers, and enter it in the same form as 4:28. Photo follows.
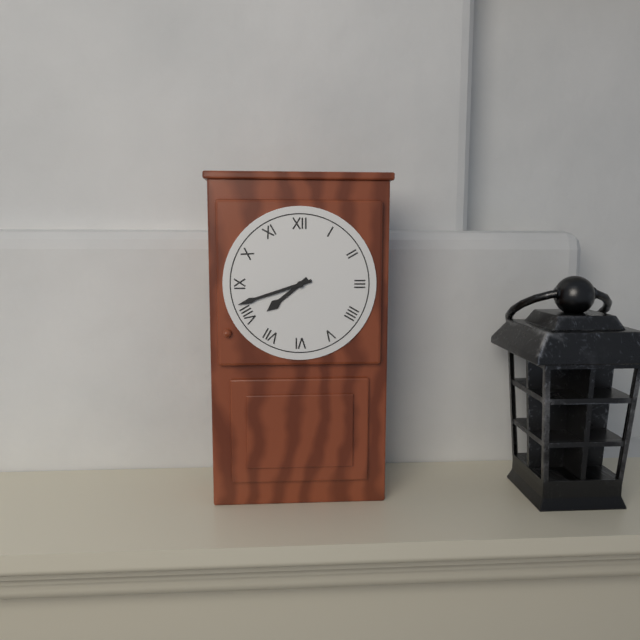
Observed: 7:42
